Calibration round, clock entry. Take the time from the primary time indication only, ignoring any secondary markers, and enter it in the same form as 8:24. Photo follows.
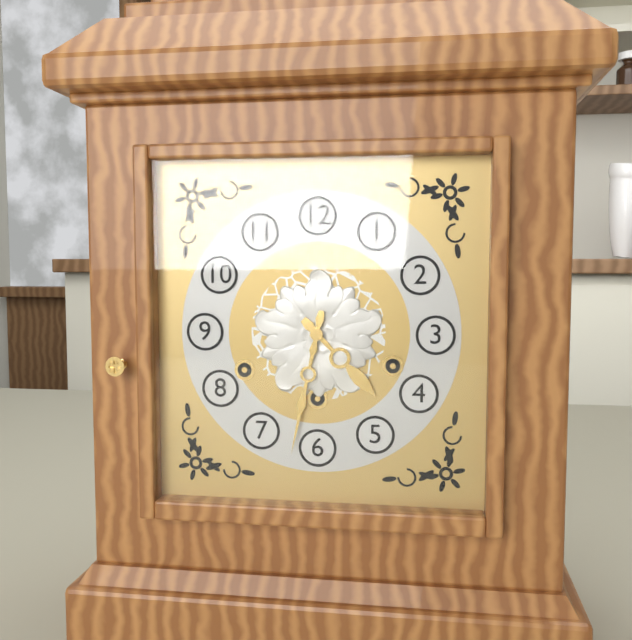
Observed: 4:32
